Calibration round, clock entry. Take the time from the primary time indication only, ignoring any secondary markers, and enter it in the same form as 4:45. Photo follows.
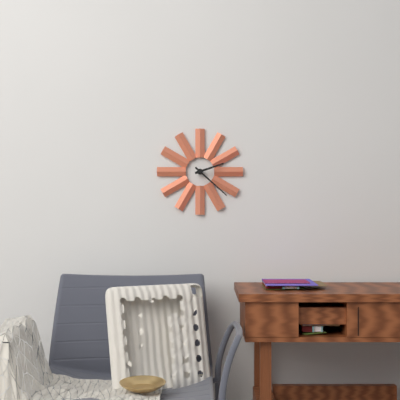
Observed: 2:22
